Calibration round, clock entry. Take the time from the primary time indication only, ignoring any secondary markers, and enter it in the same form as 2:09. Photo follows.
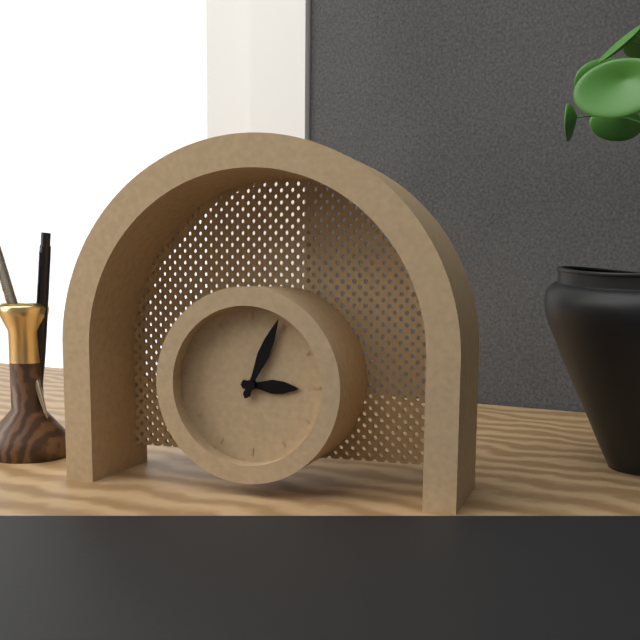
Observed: 3:04
